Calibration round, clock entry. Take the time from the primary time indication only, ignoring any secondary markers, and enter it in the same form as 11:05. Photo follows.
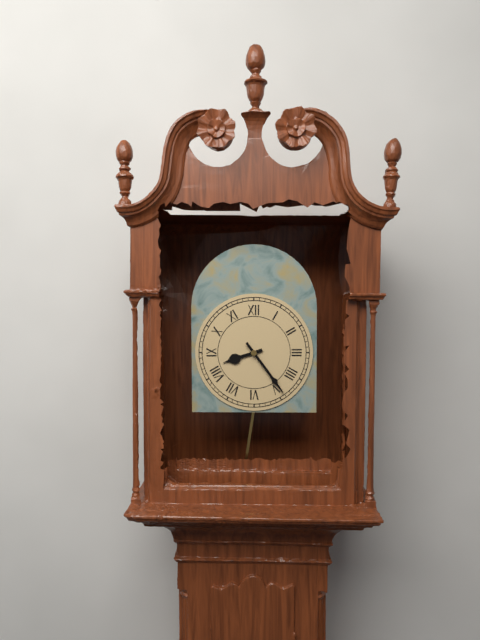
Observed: 8:24
